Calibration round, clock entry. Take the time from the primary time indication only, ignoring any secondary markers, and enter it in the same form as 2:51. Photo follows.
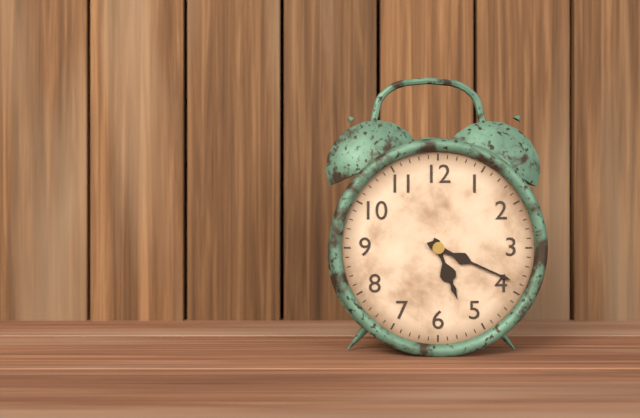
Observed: 5:19
